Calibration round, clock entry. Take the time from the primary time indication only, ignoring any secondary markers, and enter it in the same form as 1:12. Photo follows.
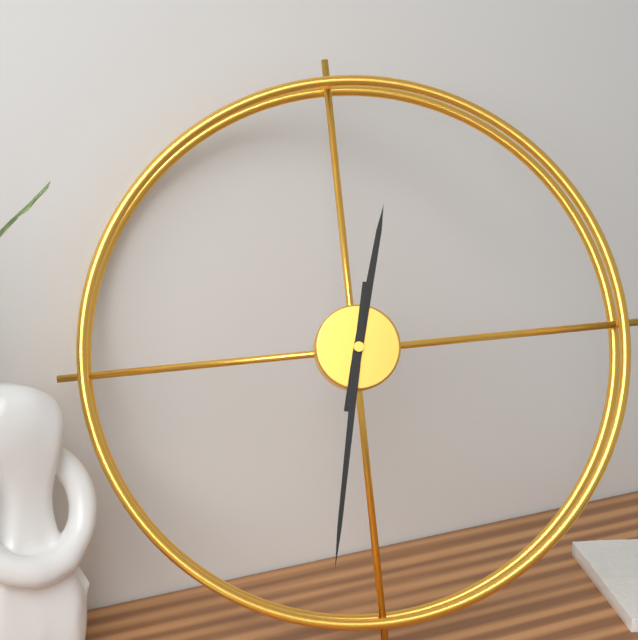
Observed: 12:32
